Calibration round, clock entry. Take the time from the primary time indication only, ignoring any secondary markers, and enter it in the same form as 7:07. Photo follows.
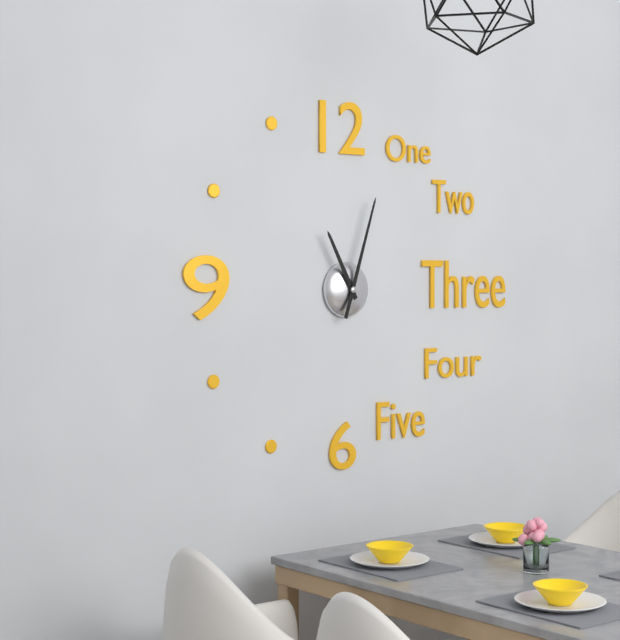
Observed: 11:03
